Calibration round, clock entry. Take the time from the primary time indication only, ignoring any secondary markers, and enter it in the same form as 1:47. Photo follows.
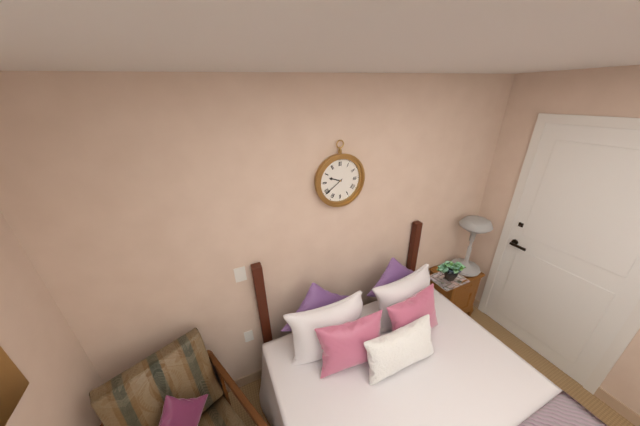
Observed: 9:39
